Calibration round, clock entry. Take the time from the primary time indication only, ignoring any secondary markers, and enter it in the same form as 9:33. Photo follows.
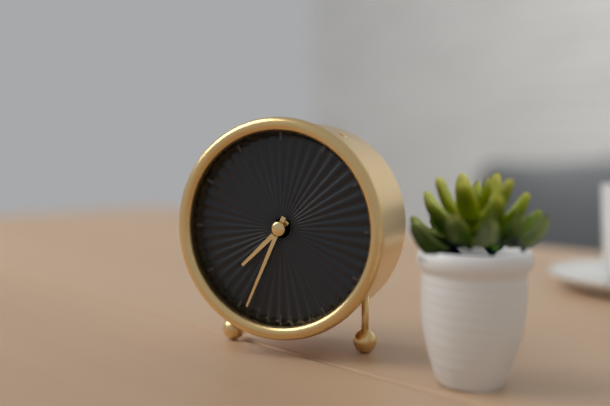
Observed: 7:34
